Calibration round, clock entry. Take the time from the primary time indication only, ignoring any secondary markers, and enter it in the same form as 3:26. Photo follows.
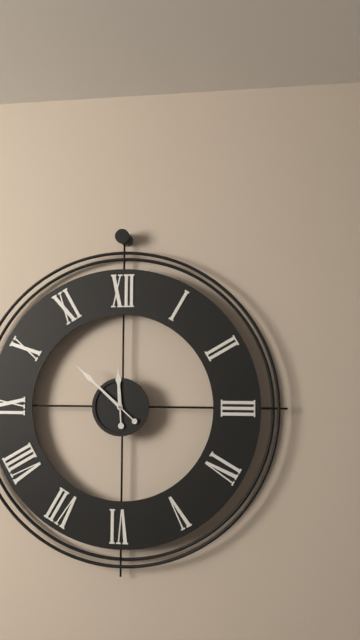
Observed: 11:52
